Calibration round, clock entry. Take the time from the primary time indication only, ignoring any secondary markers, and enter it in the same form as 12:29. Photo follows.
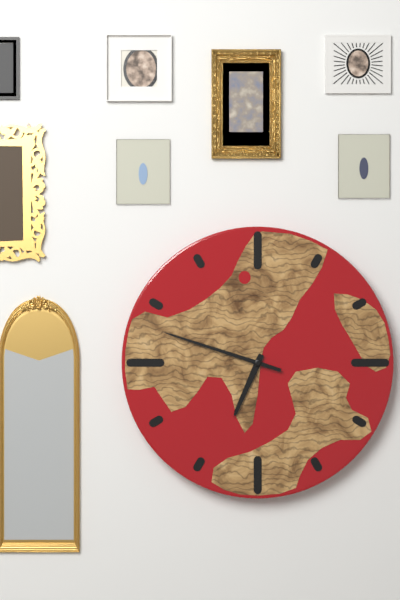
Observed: 6:48
